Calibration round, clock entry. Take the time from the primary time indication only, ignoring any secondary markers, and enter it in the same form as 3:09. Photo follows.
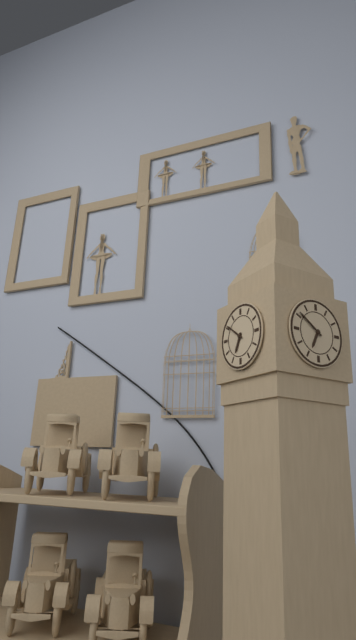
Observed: 6:51
